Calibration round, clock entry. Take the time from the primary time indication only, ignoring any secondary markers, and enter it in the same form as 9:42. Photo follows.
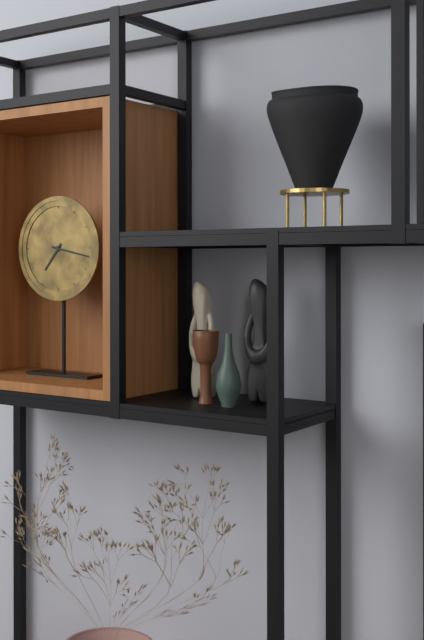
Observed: 7:17
